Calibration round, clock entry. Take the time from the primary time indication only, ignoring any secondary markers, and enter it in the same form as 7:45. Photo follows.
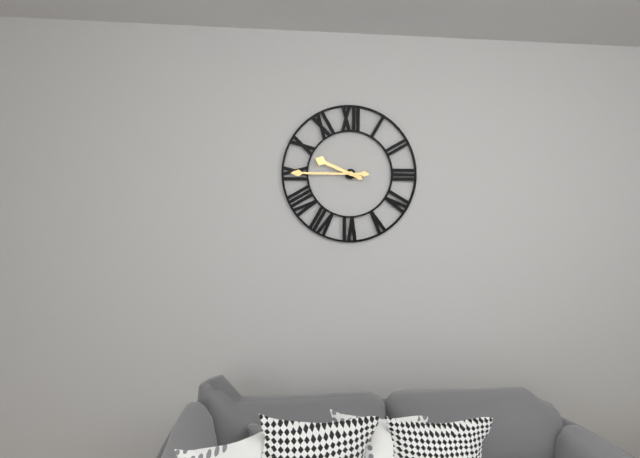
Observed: 9:45
